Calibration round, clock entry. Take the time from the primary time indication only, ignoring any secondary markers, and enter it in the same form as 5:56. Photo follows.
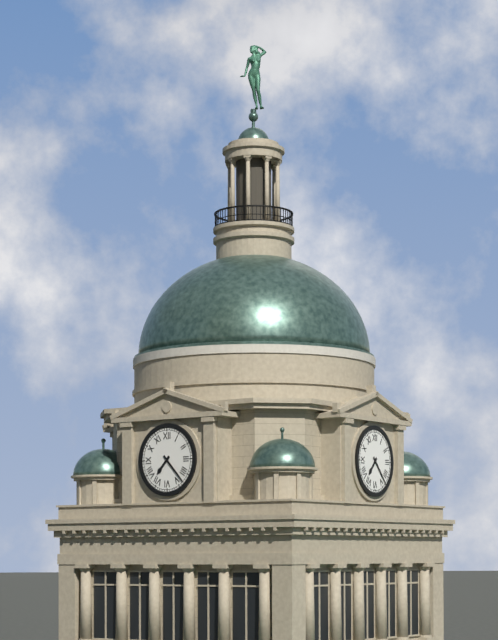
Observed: 7:23
